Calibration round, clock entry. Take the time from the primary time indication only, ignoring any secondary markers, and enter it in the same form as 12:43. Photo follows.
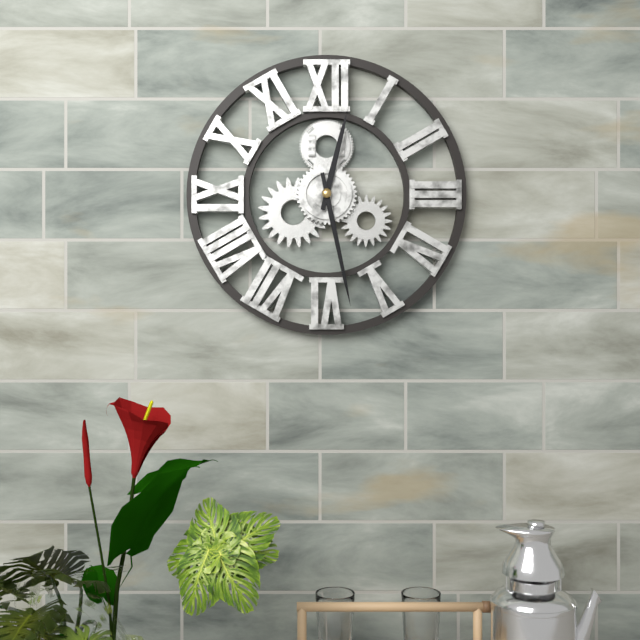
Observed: 12:28
